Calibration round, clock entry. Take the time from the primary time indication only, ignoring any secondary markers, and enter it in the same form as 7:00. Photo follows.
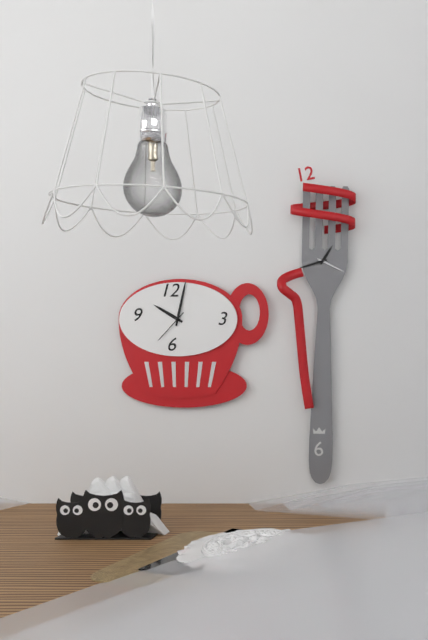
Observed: 10:02
